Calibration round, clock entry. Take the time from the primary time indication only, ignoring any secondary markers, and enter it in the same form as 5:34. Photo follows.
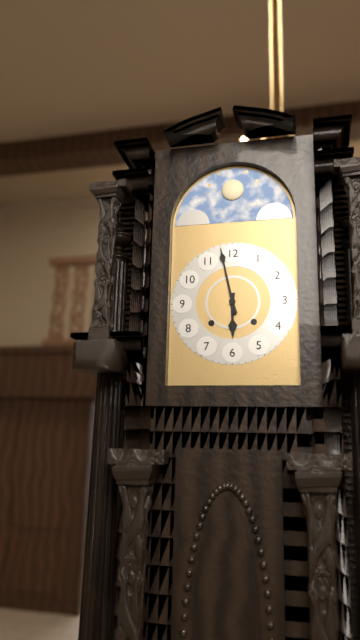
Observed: 5:58
